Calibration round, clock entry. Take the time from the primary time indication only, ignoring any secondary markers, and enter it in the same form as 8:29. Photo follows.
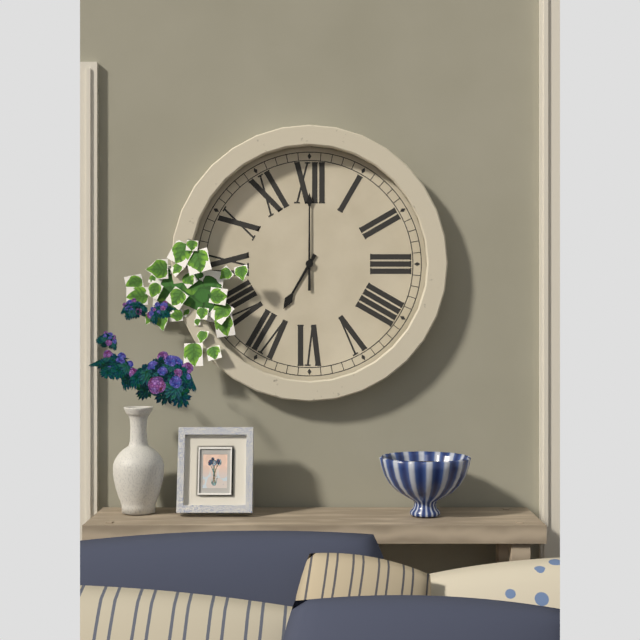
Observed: 7:00
